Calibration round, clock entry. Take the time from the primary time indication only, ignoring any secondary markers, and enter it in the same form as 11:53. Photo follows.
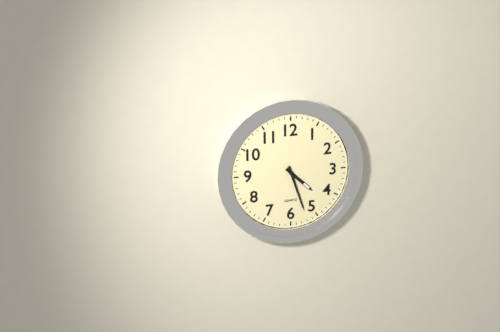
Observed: 4:27
